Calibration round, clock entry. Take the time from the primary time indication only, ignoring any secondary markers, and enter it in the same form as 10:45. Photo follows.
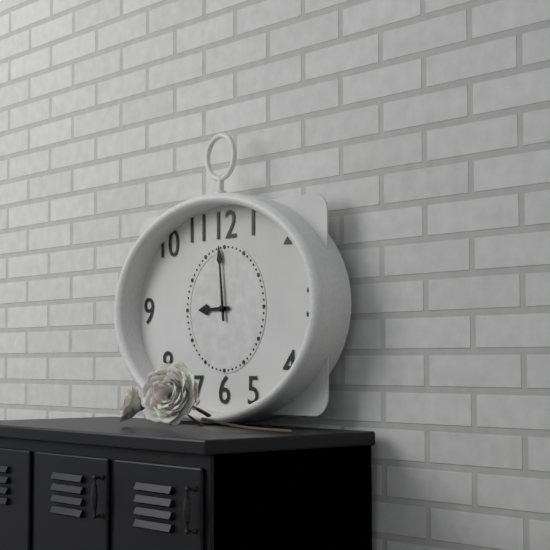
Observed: 8:59
